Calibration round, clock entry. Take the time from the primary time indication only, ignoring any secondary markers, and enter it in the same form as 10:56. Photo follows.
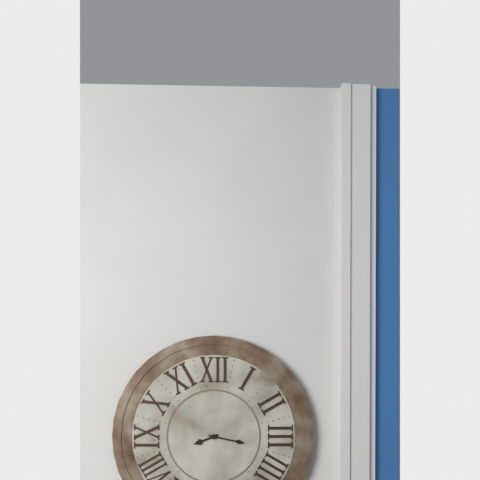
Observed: 8:17
